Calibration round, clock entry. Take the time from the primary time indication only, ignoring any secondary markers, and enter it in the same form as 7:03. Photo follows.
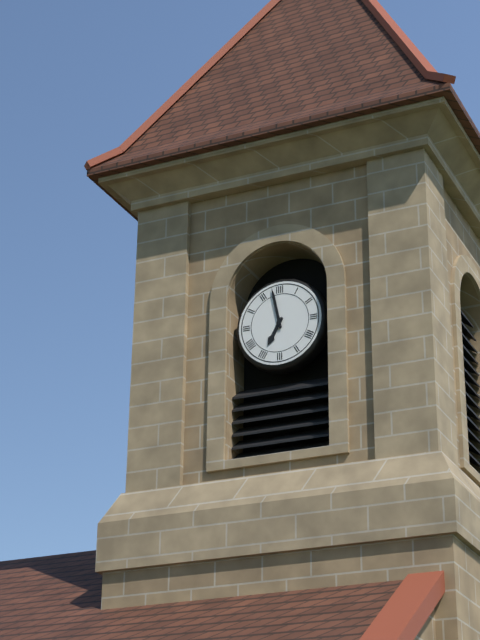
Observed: 6:58
